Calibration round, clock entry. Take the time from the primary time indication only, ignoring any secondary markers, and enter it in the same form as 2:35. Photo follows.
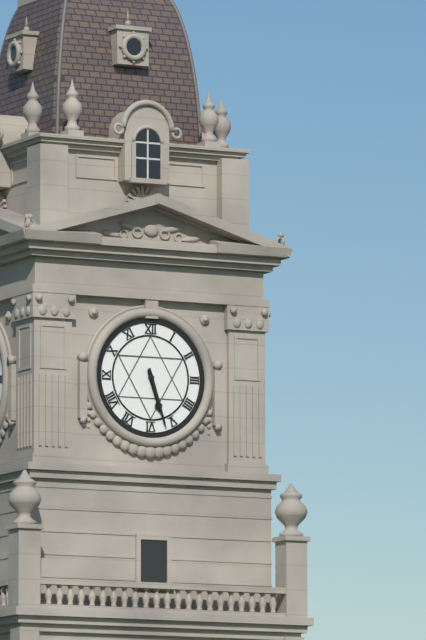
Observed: 5:27
